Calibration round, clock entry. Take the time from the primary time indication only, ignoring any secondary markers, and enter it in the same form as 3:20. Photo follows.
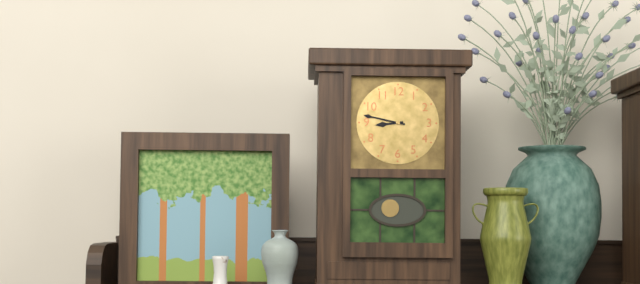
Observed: 8:47
